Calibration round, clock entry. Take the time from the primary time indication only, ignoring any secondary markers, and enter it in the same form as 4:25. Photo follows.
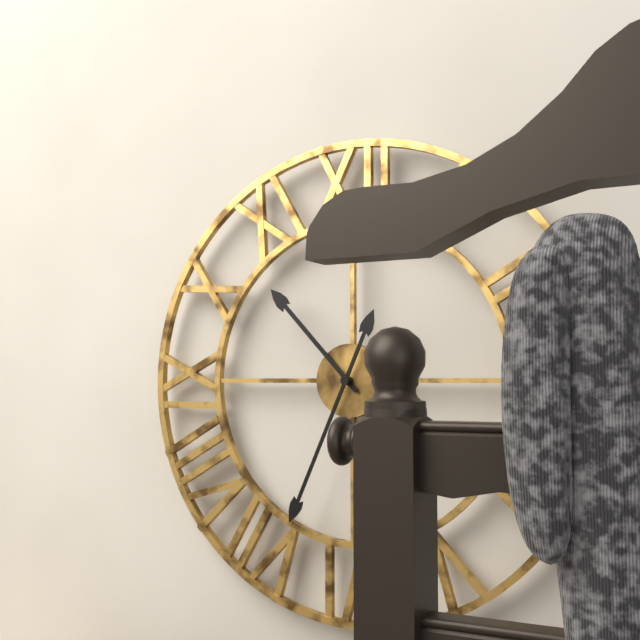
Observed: 10:34
